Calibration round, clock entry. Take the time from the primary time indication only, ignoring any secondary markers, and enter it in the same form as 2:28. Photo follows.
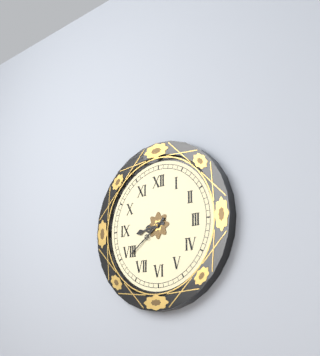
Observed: 8:39
